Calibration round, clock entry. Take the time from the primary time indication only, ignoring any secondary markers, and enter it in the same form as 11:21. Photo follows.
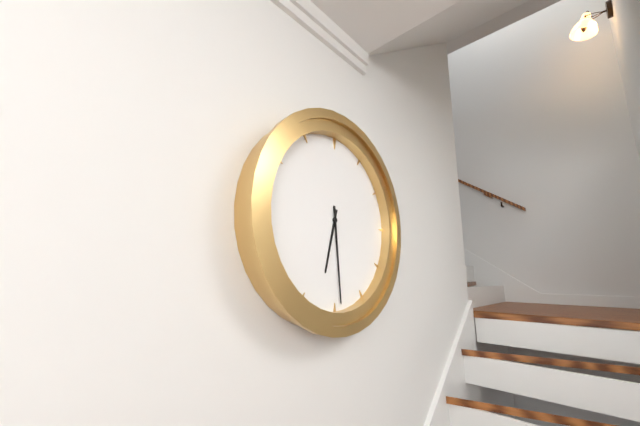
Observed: 6:29
